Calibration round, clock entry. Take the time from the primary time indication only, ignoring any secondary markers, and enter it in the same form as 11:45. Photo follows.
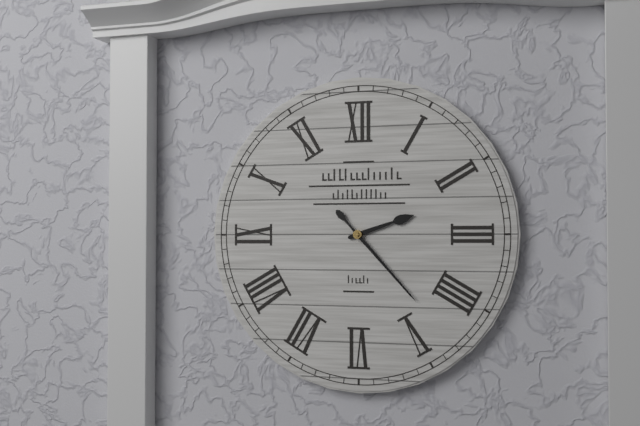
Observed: 2:23
